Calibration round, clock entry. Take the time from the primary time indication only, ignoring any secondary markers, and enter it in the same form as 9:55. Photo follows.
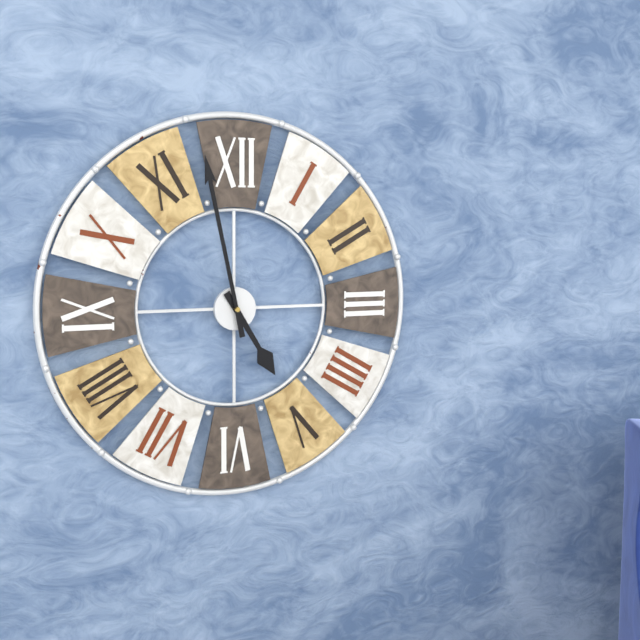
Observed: 4:58
